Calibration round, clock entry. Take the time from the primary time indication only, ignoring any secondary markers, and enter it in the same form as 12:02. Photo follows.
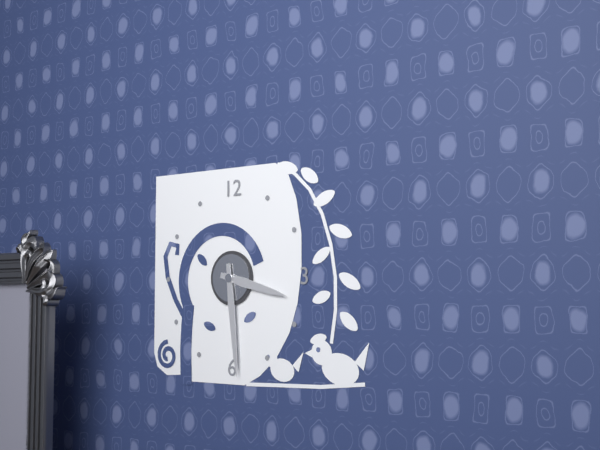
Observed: 3:29
